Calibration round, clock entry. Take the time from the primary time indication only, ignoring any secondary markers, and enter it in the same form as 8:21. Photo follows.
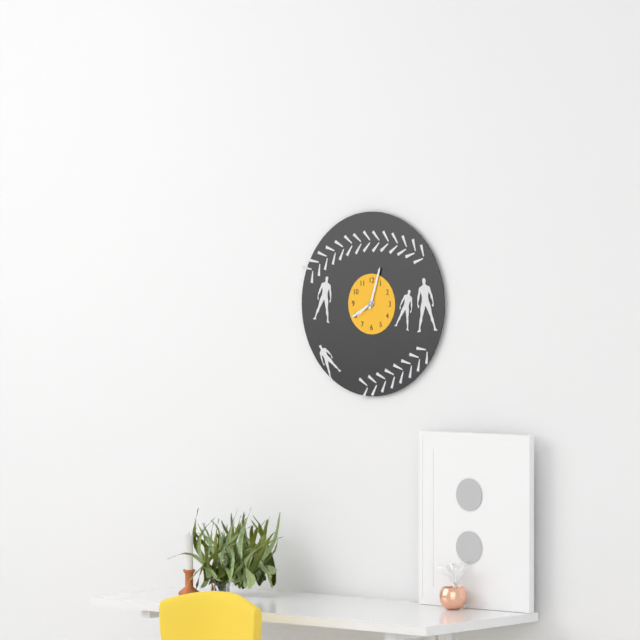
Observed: 8:03
